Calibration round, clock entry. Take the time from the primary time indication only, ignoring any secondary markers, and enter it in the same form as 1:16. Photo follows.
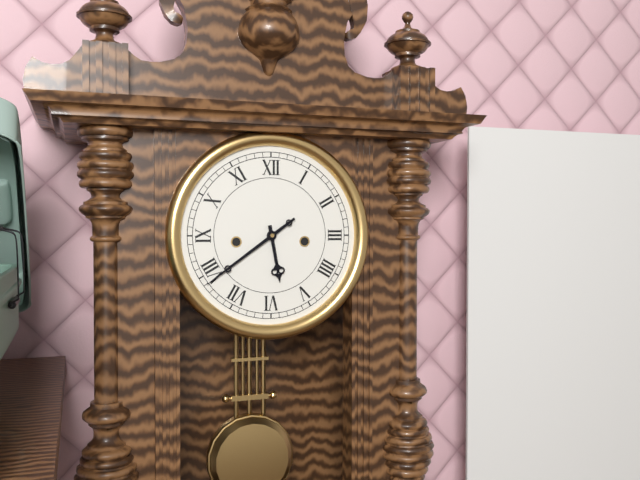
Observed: 5:39
